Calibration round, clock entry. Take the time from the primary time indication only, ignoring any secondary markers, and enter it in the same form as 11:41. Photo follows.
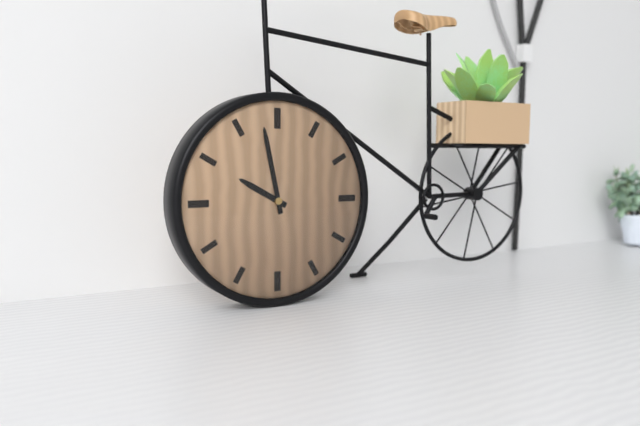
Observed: 9:58
